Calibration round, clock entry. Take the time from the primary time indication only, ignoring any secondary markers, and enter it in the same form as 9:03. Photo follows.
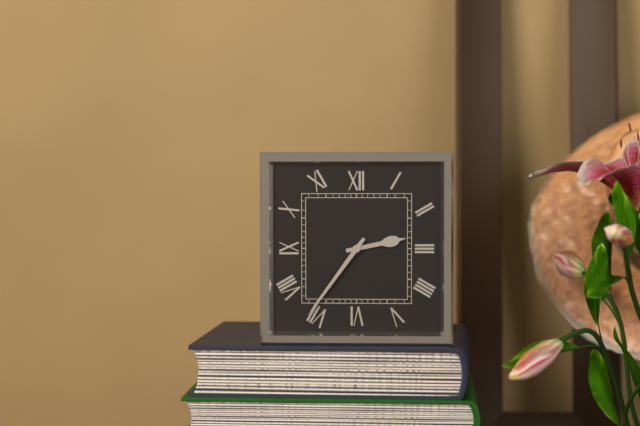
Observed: 2:36
